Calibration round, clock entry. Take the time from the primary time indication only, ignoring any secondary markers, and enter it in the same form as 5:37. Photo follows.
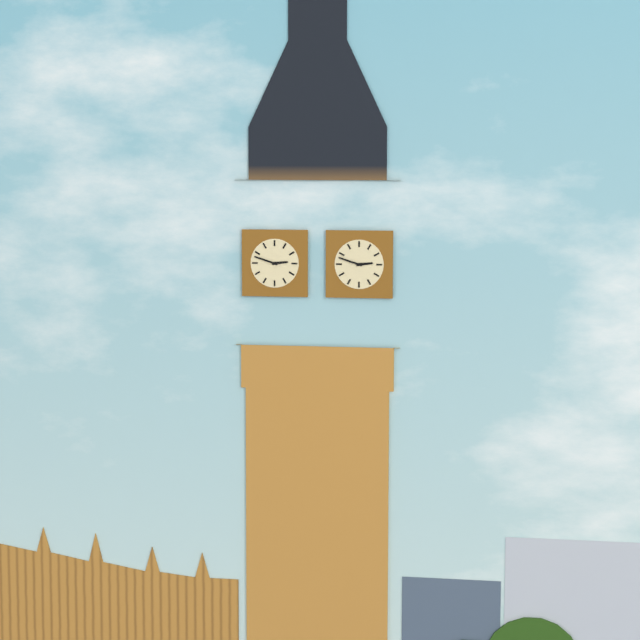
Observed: 2:48
